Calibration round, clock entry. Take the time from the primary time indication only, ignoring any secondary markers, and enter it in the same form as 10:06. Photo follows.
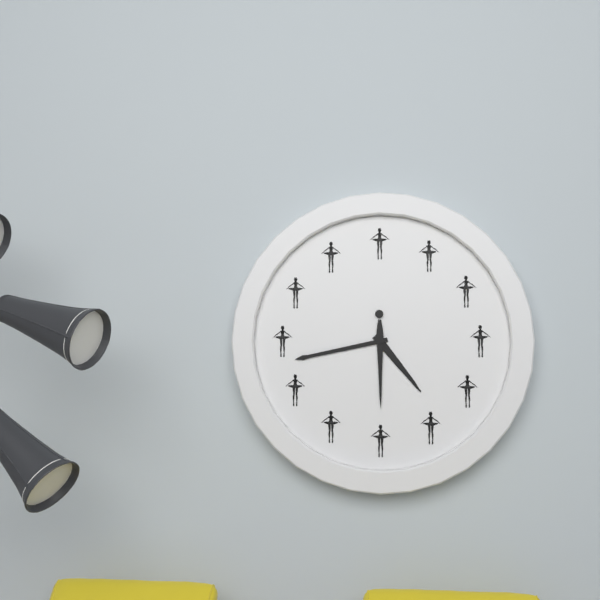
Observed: 4:43
